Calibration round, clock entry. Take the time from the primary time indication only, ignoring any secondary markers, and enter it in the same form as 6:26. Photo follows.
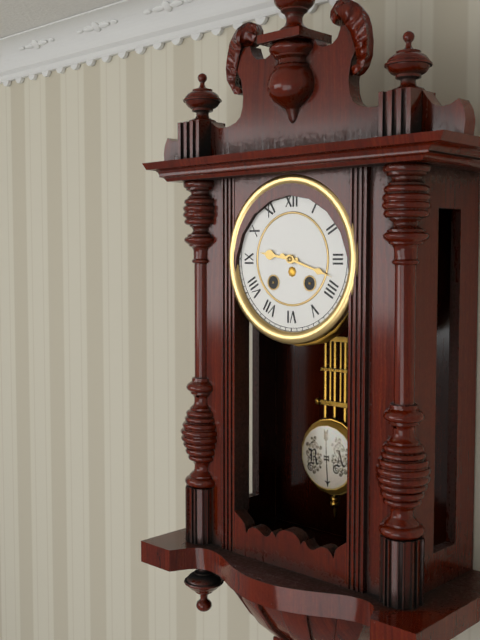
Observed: 9:18
